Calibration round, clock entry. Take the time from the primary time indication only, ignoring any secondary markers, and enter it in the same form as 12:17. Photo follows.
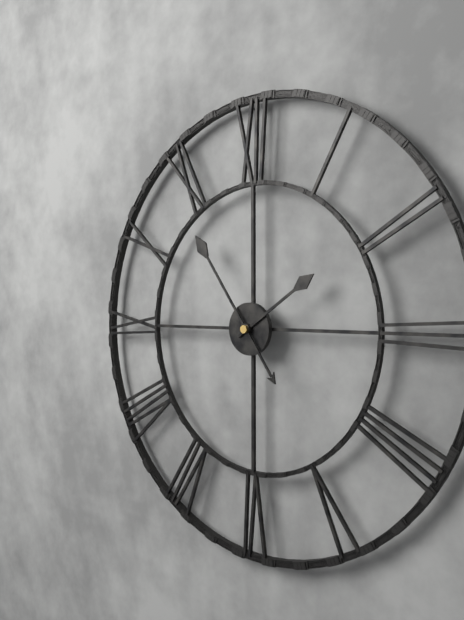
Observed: 1:54
